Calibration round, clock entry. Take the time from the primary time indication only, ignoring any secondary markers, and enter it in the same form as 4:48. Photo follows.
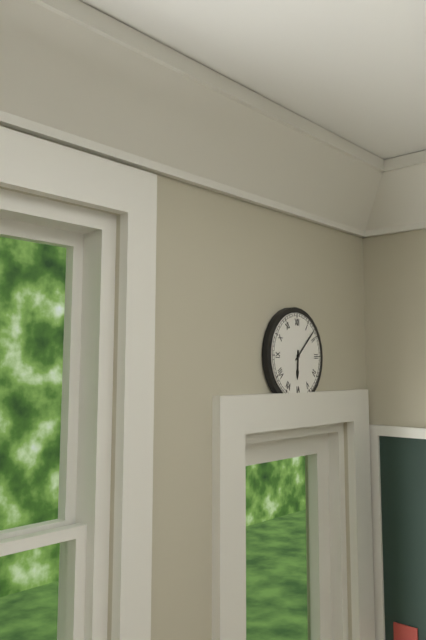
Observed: 6:08
